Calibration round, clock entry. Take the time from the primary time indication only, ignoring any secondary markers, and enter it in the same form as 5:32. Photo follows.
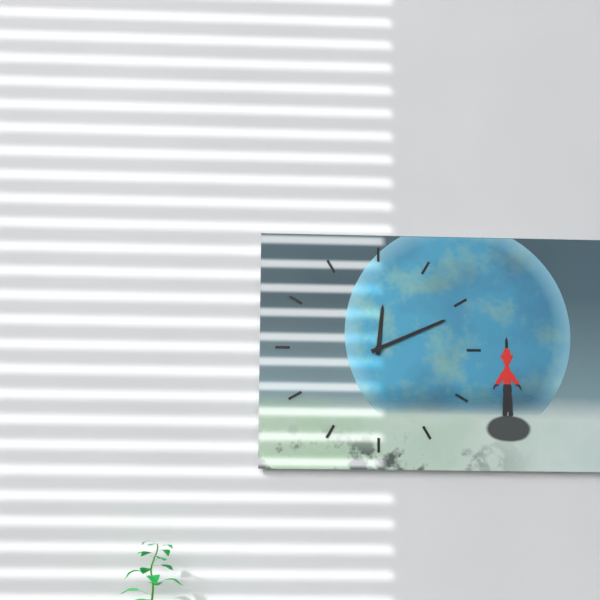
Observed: 12:11
